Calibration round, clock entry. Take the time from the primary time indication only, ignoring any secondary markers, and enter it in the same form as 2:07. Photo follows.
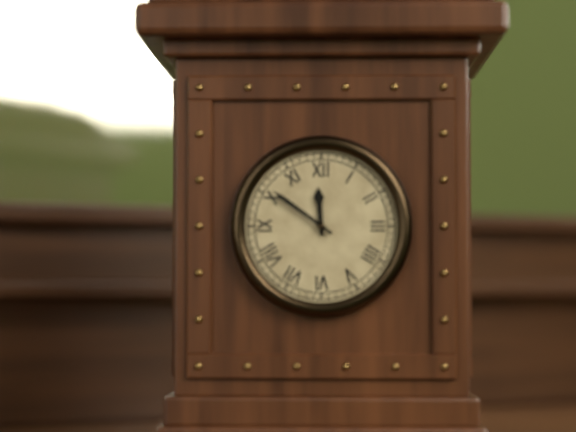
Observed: 11:51
